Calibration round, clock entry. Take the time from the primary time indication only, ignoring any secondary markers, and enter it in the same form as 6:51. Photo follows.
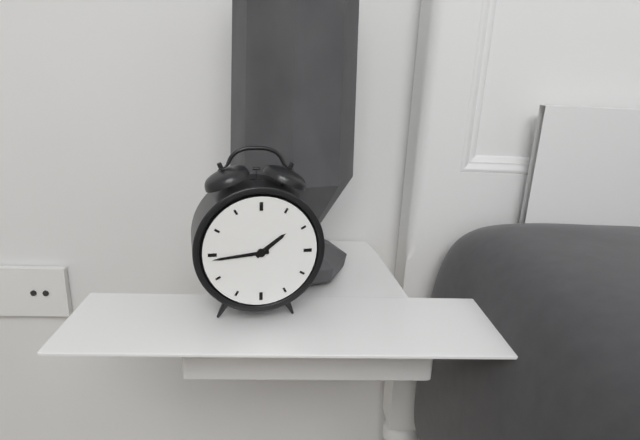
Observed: 1:44
